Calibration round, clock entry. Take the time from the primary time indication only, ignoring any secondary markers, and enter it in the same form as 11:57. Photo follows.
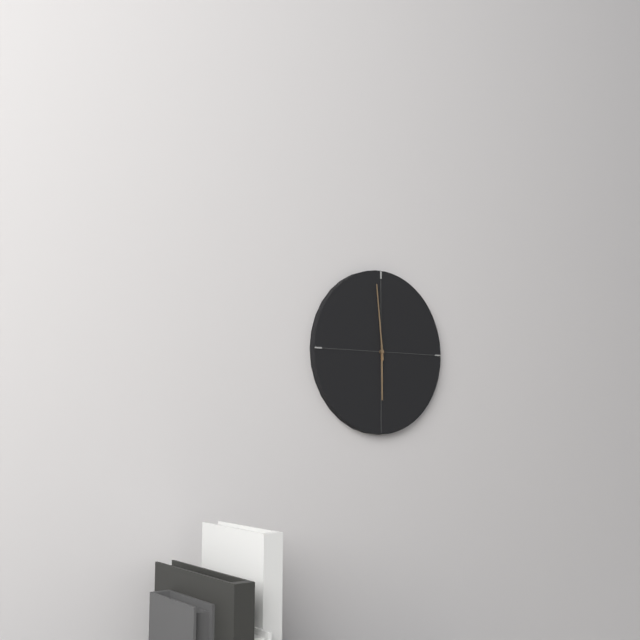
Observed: 5:59
